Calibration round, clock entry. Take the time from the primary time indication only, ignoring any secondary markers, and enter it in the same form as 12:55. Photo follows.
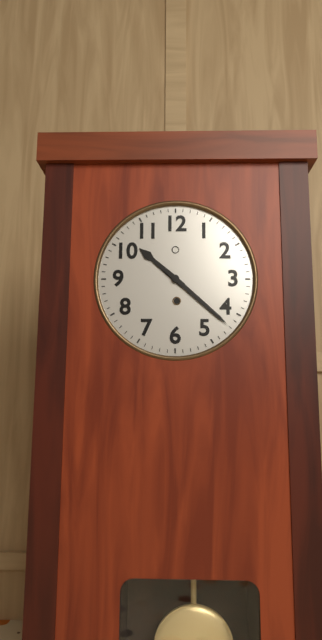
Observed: 10:22
